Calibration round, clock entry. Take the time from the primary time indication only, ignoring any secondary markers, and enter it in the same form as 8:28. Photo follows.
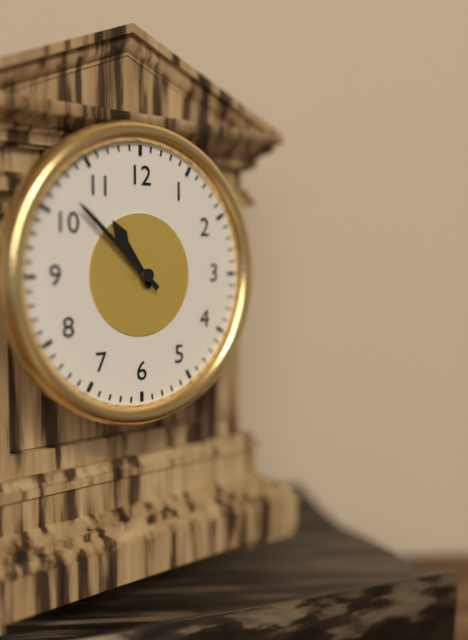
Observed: 10:52
